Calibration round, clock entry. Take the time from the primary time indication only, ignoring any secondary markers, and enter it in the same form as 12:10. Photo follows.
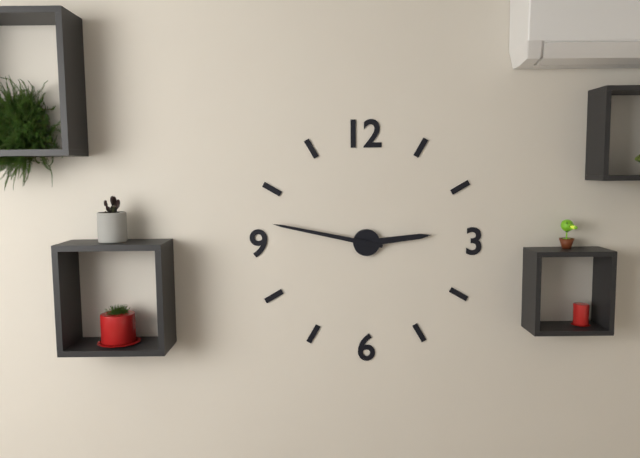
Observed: 2:47
